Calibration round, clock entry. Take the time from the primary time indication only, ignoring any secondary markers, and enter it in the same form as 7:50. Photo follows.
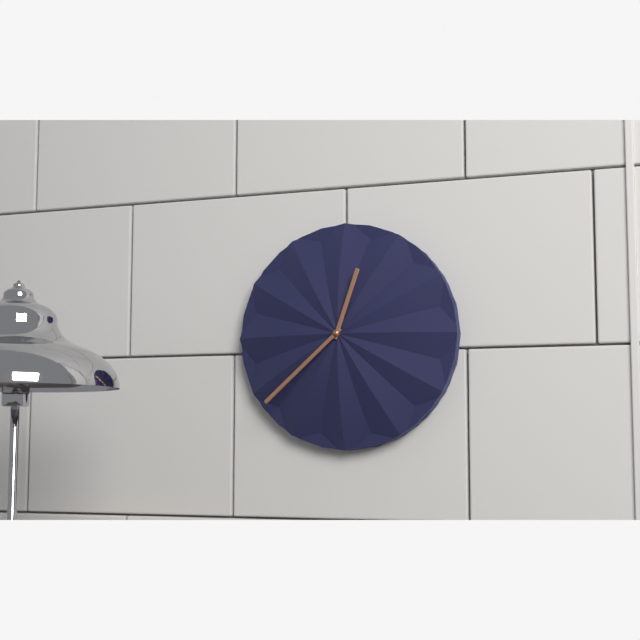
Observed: 12:38
